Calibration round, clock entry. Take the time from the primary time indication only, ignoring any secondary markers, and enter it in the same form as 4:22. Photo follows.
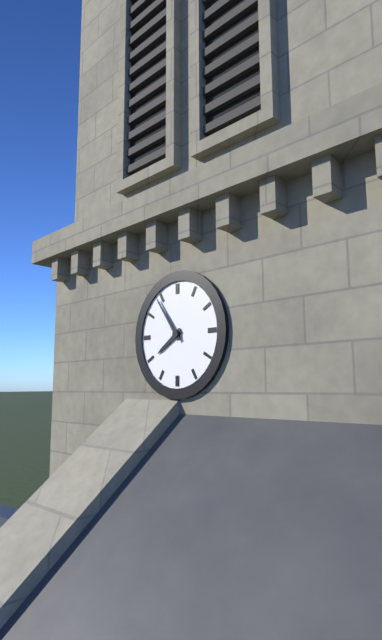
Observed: 7:54
